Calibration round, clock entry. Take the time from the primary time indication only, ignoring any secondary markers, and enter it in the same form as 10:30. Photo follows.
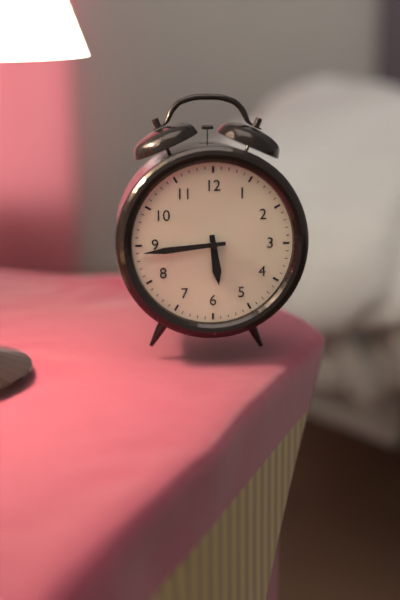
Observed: 5:44
